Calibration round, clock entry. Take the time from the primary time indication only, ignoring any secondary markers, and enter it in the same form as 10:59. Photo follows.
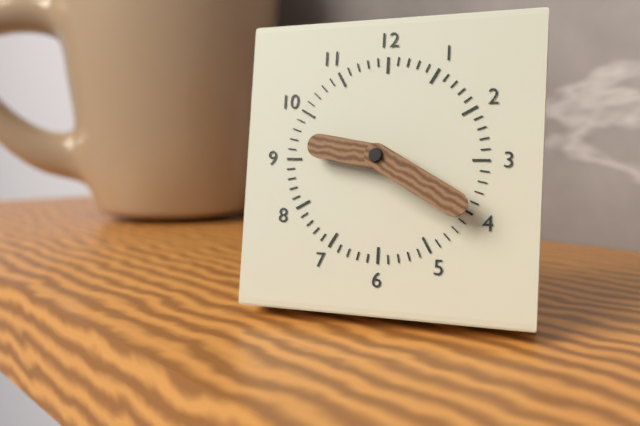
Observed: 9:20
